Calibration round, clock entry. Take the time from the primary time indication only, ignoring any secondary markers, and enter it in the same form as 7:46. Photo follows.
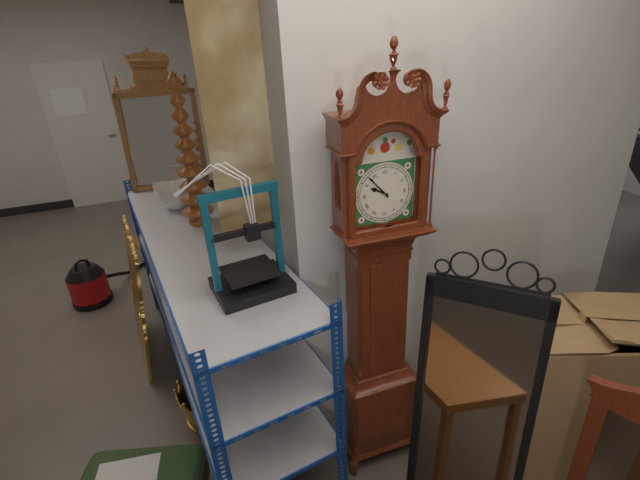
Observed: 9:53
